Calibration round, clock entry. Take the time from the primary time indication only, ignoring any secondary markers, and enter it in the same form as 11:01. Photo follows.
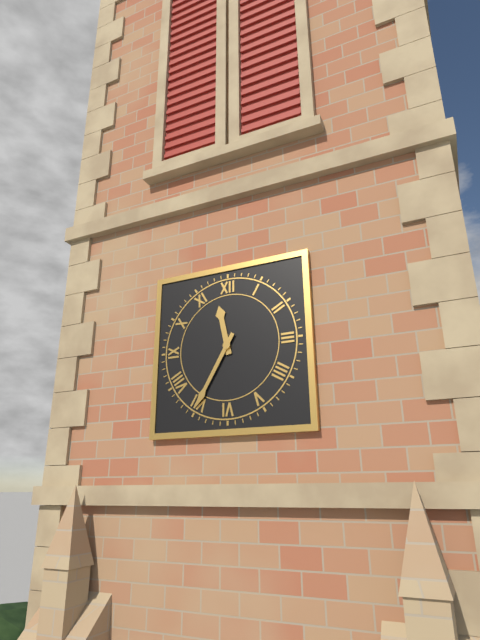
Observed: 11:35
